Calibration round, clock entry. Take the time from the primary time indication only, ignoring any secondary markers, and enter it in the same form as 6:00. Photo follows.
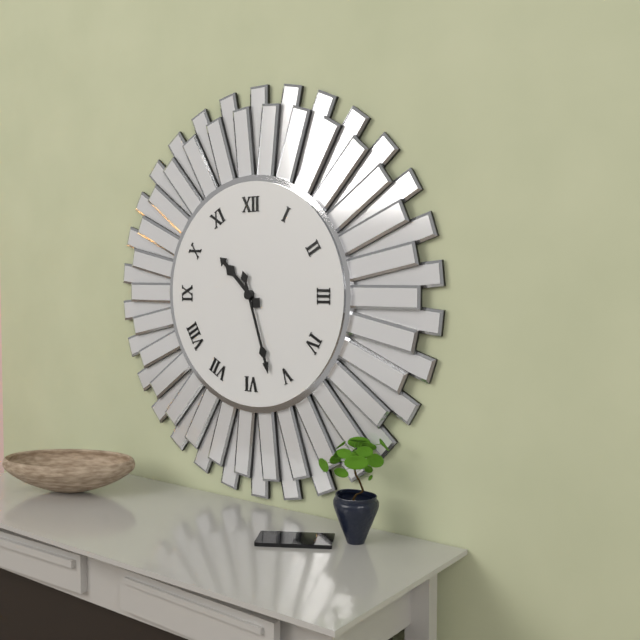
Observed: 10:27
